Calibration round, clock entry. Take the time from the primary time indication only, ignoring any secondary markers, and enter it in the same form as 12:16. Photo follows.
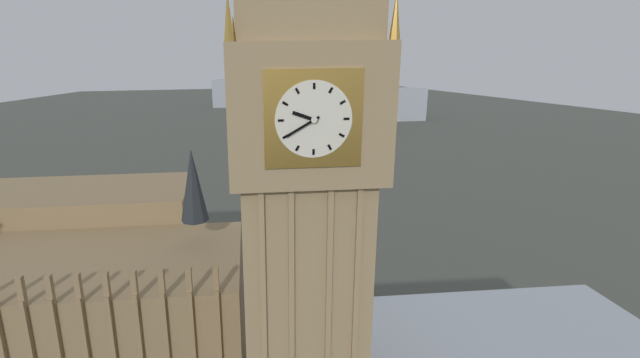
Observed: 9:40
